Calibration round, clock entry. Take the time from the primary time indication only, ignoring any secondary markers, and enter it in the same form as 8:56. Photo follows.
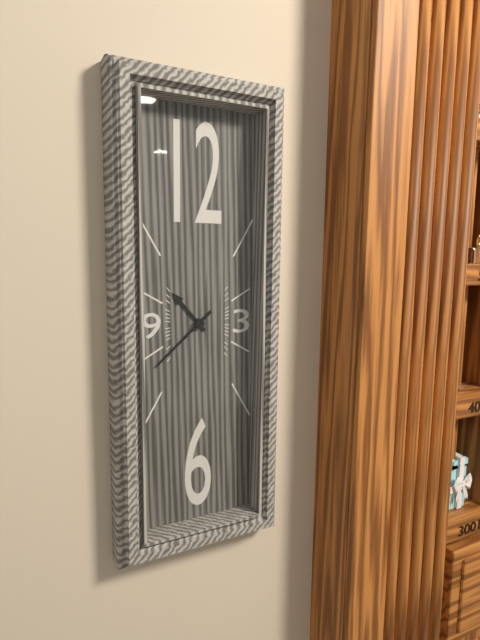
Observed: 10:38
